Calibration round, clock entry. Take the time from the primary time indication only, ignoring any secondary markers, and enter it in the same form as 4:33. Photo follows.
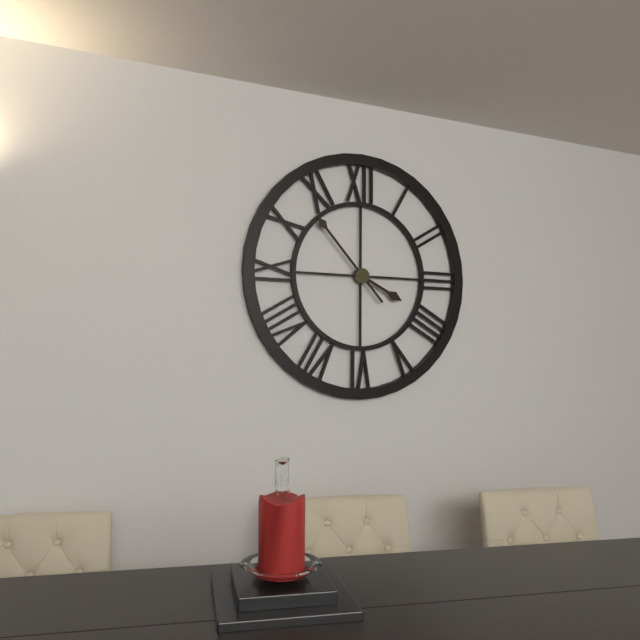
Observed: 3:53
